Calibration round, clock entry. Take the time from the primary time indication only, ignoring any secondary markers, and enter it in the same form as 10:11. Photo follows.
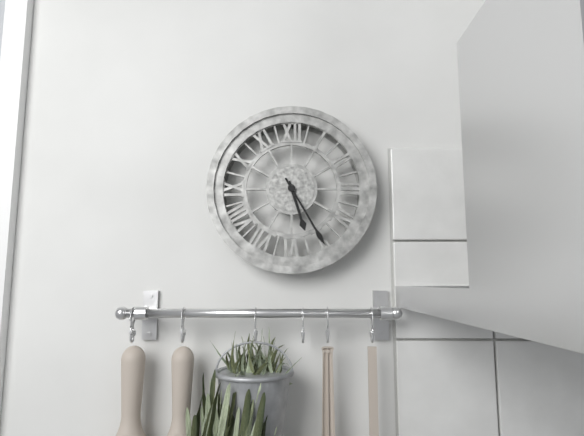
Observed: 5:25
